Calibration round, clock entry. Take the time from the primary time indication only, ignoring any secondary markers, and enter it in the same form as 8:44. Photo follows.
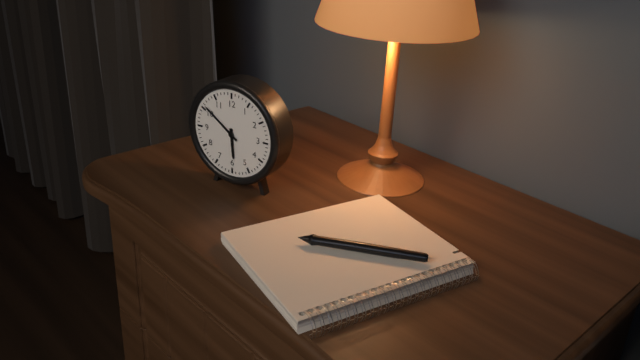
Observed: 5:51
